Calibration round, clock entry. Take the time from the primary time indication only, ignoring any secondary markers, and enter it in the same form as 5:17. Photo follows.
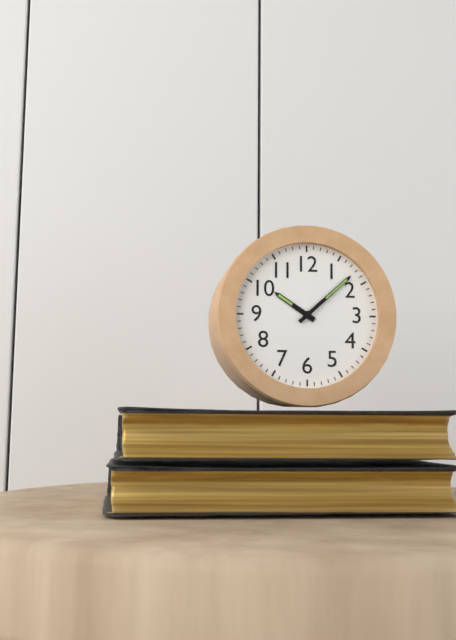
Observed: 10:08
